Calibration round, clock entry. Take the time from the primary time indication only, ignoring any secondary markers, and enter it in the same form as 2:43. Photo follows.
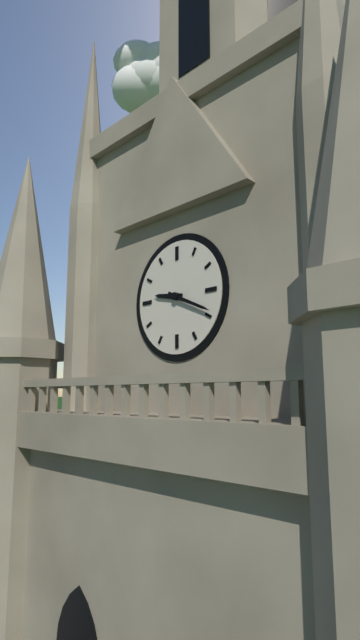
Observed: 9:19
